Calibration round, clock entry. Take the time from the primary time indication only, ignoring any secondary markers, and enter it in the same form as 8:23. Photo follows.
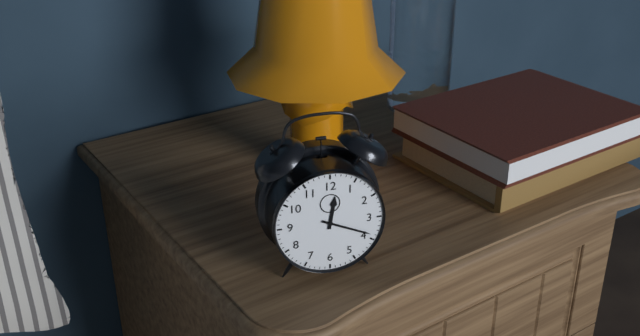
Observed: 12:19
